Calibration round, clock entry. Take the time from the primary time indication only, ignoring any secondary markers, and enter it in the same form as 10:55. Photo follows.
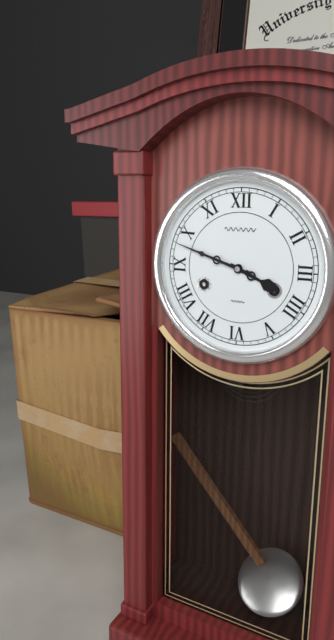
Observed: 3:48
